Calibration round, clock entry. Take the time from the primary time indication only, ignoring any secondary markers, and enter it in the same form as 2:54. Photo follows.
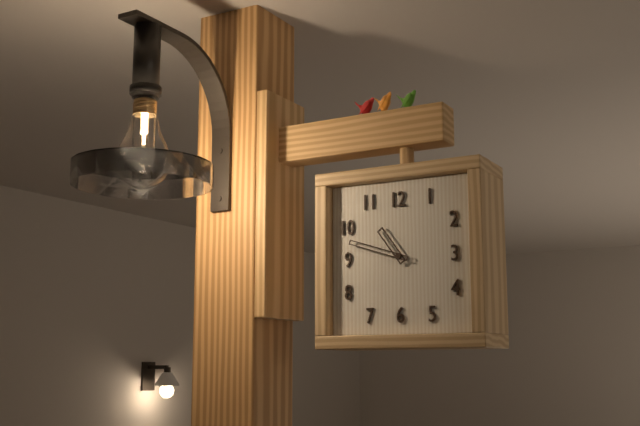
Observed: 10:48
